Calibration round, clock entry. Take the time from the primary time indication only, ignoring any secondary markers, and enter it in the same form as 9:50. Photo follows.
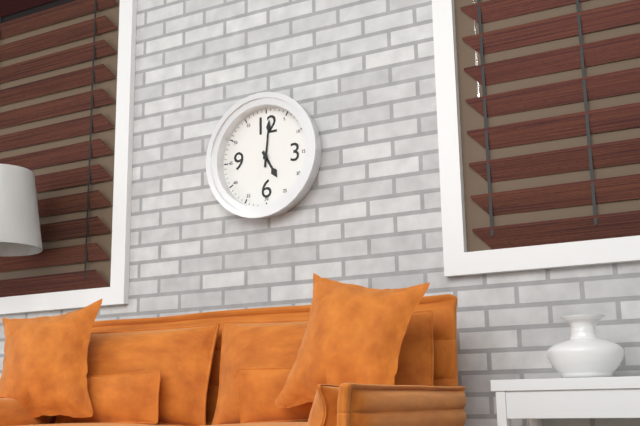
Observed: 5:01
